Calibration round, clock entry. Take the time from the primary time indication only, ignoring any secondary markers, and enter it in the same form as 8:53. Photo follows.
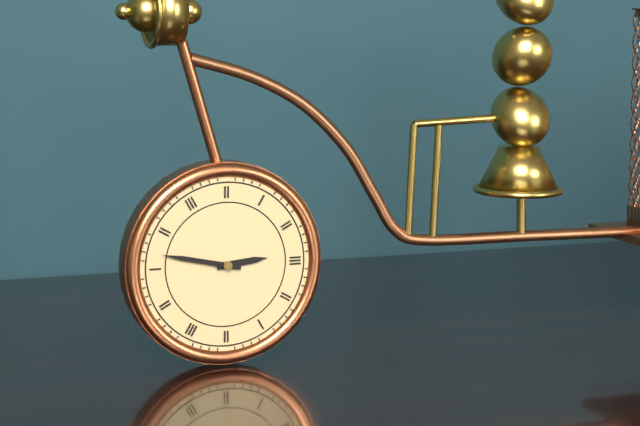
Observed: 2:47
